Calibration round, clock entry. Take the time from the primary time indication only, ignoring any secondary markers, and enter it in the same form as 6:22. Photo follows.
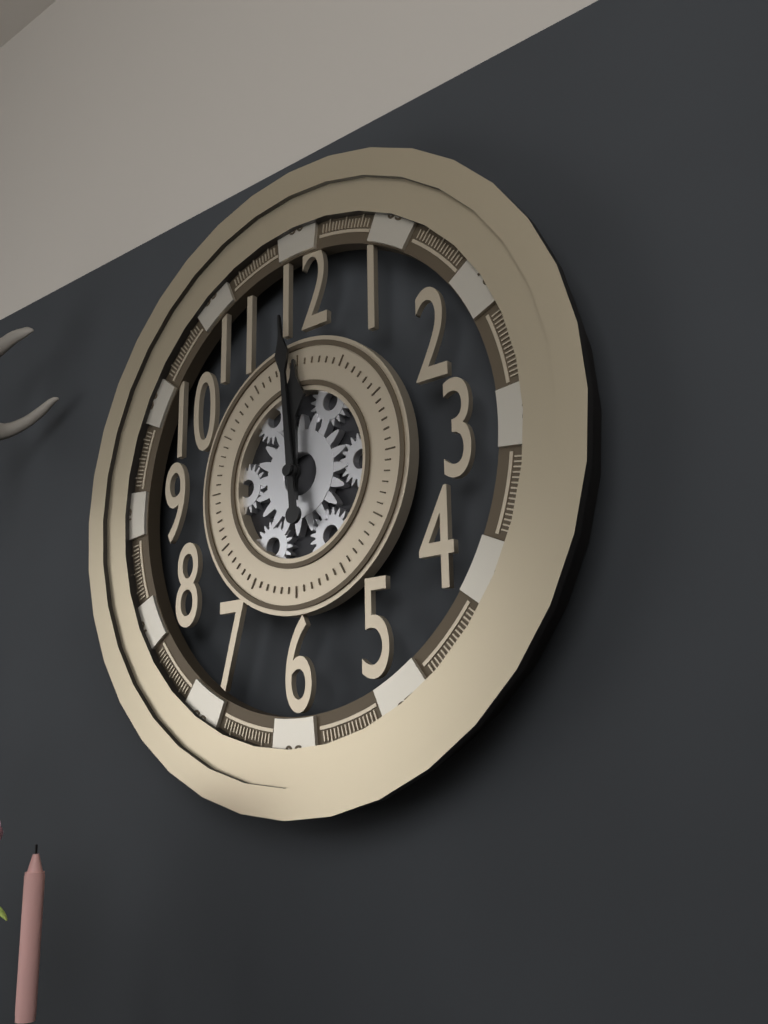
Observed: 11:59
